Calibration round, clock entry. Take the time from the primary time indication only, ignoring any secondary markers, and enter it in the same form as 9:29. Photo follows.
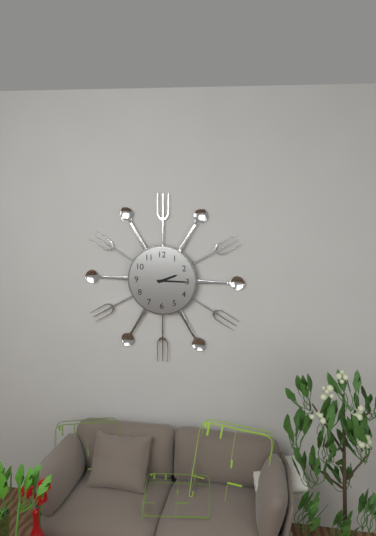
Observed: 2:15
